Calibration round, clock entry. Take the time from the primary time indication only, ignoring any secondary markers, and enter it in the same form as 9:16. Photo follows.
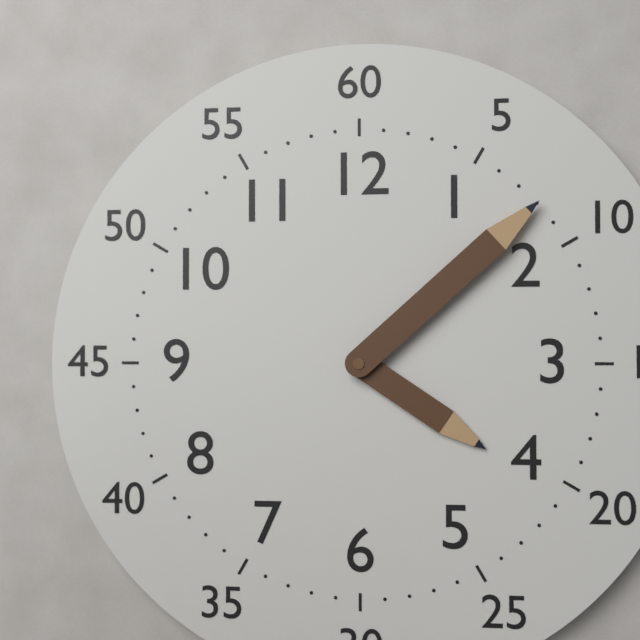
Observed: 4:08
